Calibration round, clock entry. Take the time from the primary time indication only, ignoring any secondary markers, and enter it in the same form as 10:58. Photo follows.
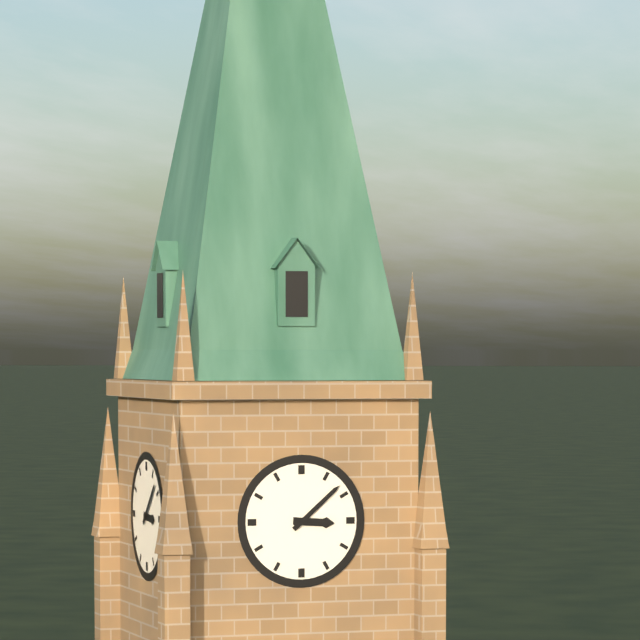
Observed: 3:08
